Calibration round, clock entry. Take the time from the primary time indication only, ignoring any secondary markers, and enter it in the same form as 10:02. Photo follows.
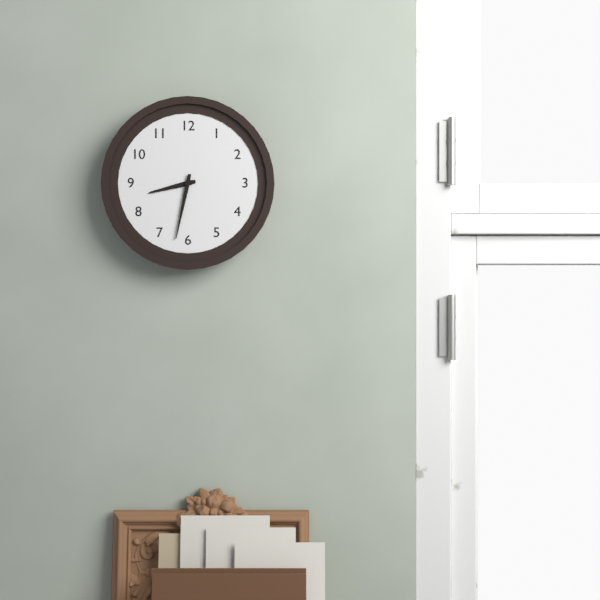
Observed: 8:32
